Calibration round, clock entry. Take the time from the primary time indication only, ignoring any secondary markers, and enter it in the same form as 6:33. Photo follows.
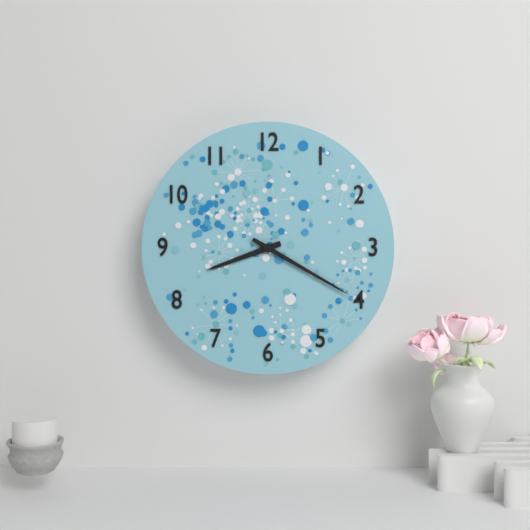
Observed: 8:20
